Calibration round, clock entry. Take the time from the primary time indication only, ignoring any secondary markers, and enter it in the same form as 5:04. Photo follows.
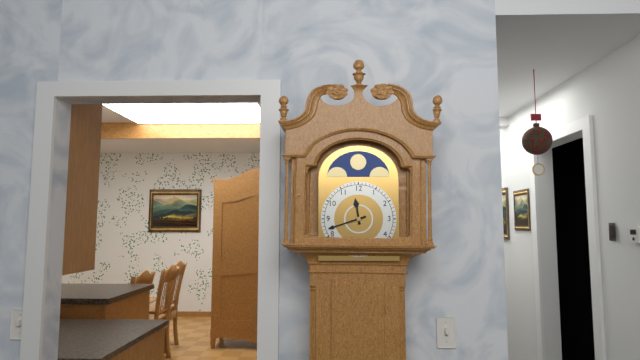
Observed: 11:42
